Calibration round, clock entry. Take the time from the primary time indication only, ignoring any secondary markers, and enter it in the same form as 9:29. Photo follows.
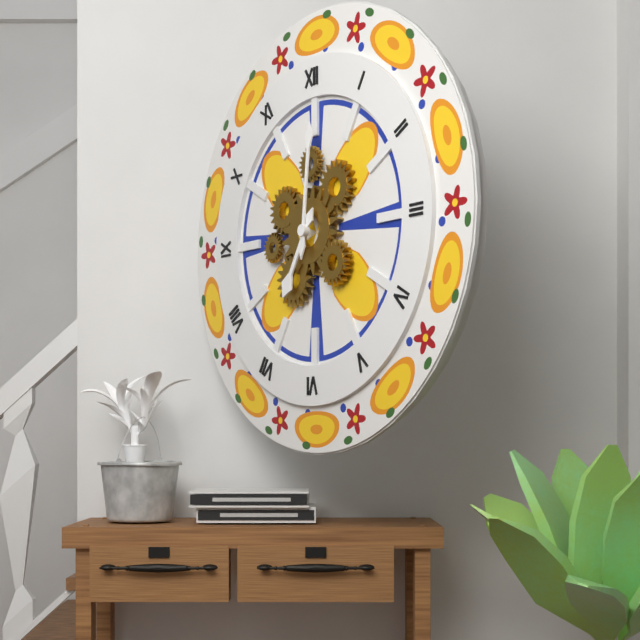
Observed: 7:01
